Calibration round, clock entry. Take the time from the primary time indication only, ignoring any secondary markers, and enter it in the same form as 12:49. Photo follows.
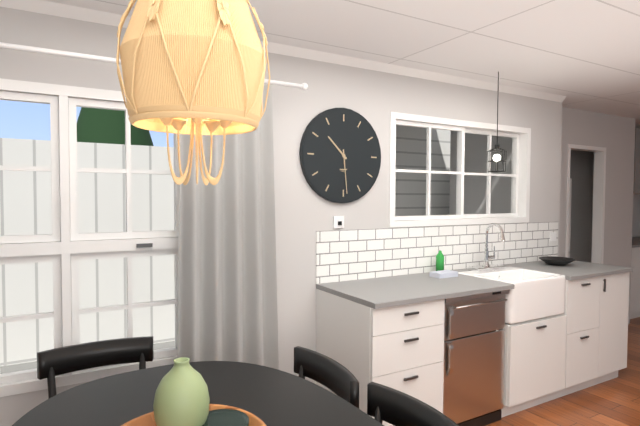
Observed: 10:29
